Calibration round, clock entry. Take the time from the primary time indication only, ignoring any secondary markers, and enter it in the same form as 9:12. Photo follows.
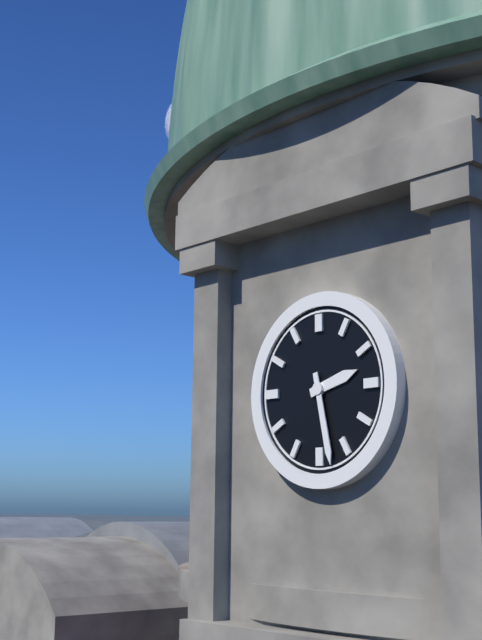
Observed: 2:28
